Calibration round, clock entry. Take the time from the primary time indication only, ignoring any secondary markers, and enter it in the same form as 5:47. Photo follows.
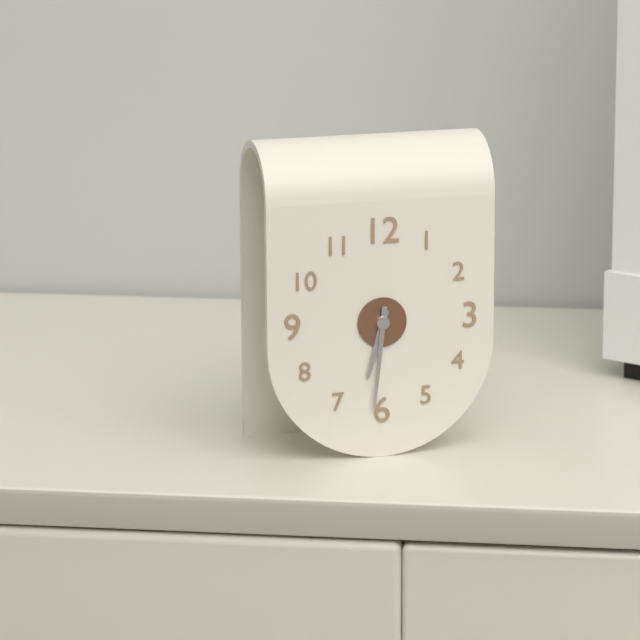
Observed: 6:31
